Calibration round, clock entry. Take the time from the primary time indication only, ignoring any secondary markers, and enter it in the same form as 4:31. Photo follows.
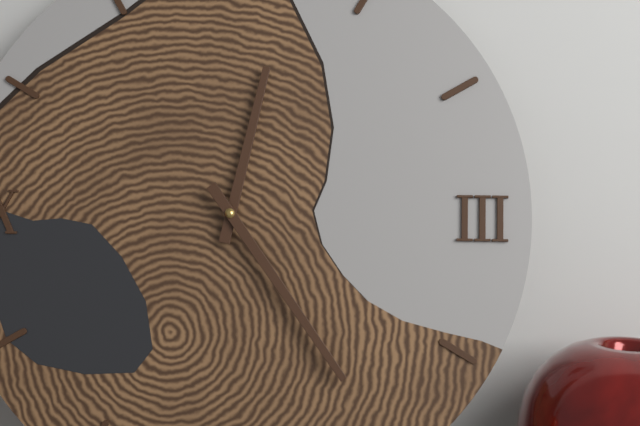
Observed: 12:24
